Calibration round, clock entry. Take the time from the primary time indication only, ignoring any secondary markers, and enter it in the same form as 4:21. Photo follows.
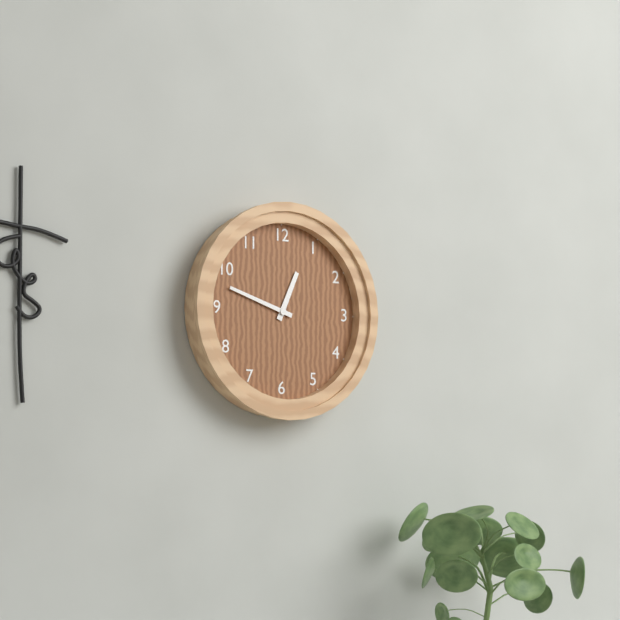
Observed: 12:48
